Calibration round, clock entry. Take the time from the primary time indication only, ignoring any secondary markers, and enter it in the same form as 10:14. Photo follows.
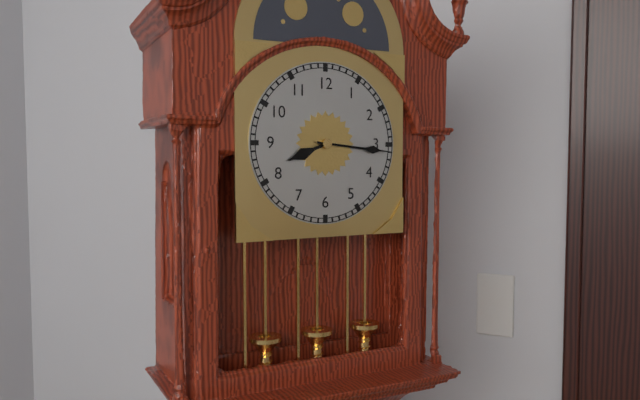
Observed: 8:16
